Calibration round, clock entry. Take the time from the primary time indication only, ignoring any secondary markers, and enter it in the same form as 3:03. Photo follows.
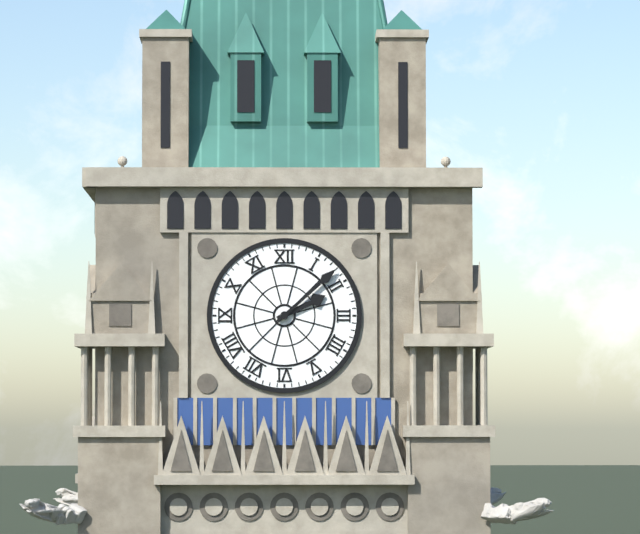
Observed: 2:08
